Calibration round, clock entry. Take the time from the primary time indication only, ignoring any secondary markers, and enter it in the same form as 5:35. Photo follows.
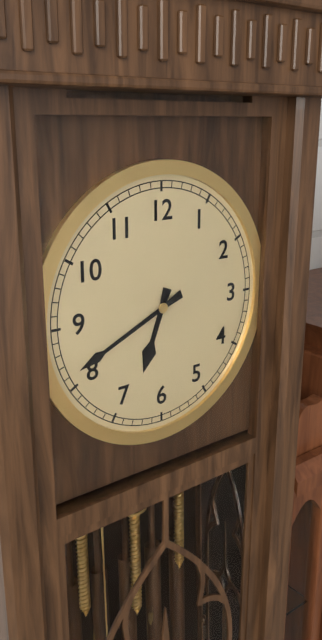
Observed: 6:41
